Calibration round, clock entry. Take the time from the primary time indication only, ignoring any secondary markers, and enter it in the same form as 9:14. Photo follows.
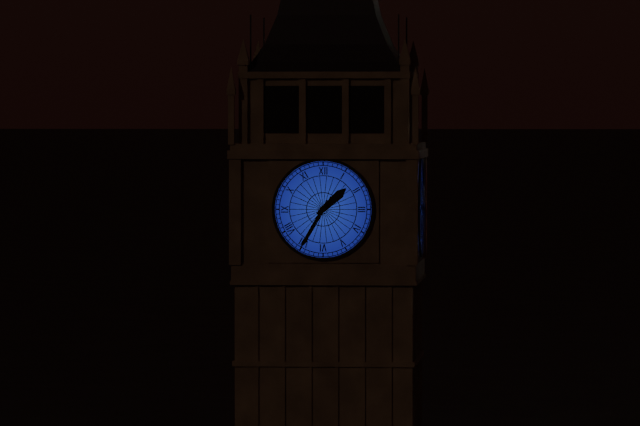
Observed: 1:35
